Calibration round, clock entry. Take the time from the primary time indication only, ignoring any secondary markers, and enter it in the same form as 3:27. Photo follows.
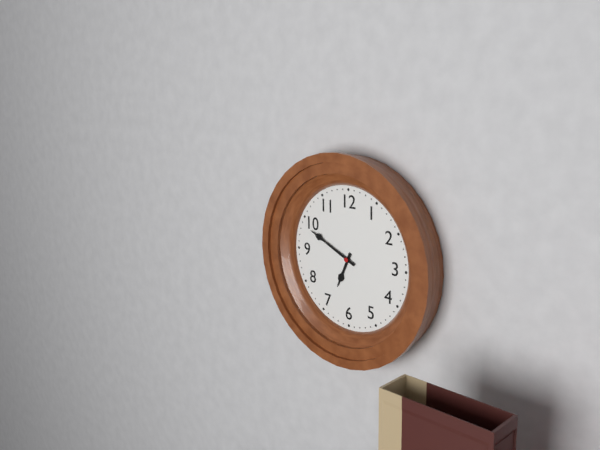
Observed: 6:49
